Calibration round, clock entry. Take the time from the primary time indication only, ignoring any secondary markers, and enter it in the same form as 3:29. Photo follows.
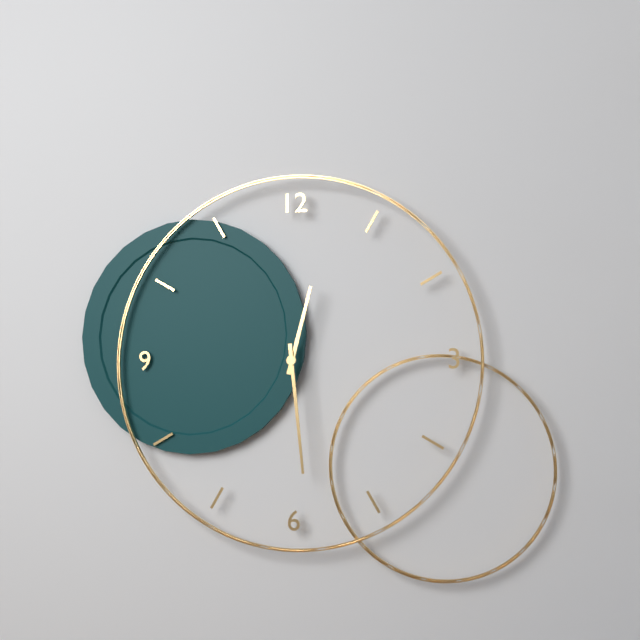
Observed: 12:29
